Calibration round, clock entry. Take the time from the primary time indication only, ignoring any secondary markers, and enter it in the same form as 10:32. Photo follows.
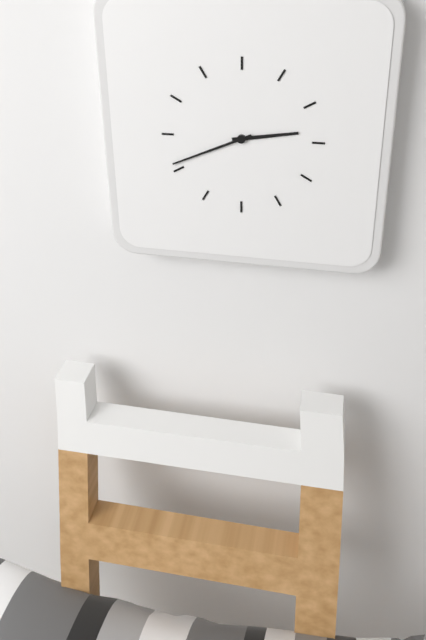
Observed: 2:41
